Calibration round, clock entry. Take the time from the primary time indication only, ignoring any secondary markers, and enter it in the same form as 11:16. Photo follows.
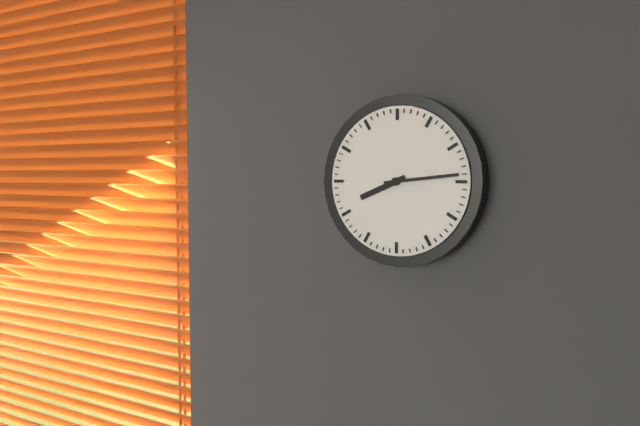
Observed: 8:14
